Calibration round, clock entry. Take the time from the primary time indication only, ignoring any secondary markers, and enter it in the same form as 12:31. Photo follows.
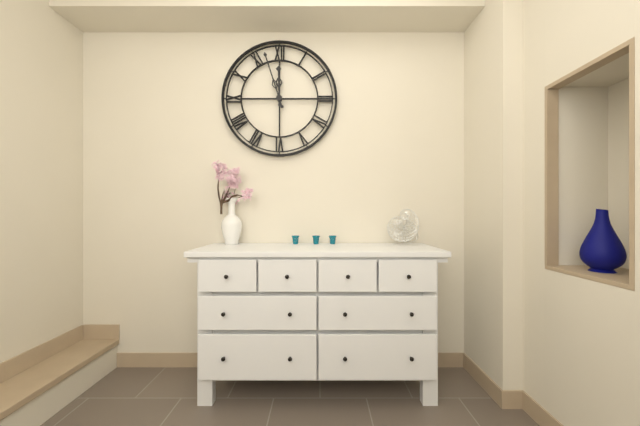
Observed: 11:57
